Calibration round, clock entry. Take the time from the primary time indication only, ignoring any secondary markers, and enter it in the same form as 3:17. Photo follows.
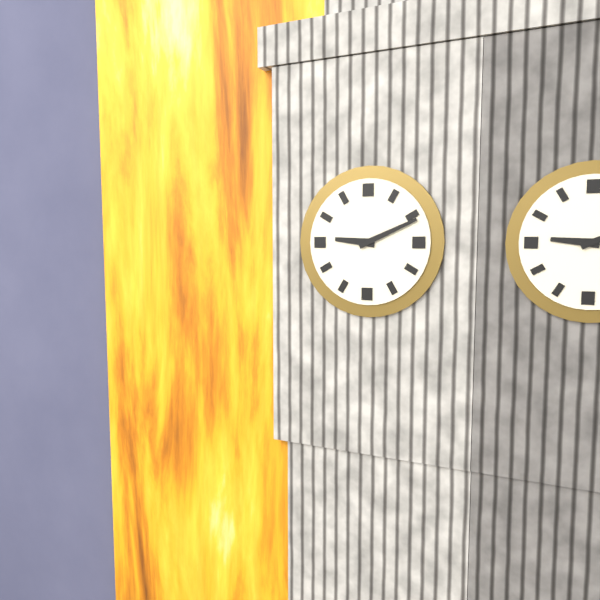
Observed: 9:11
